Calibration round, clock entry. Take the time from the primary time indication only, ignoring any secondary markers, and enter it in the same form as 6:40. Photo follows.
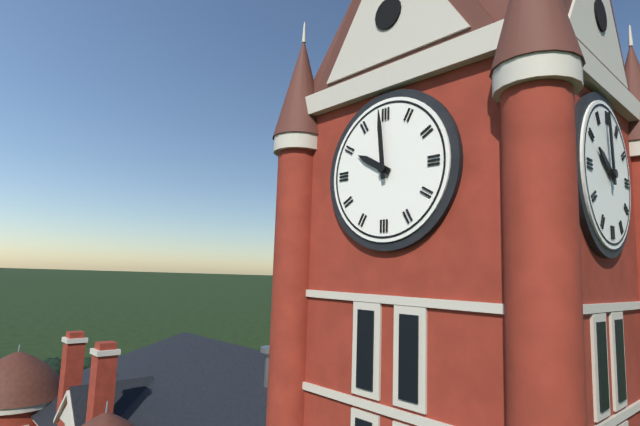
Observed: 9:59
